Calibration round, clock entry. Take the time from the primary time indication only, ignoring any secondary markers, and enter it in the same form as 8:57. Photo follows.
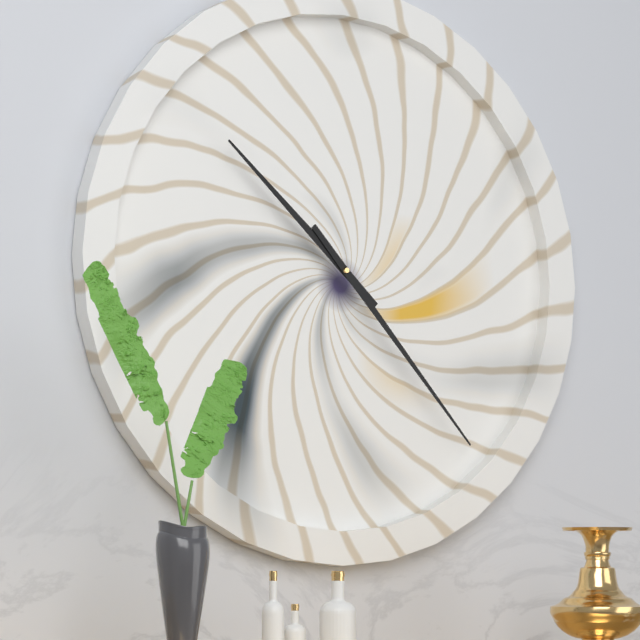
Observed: 10:23
